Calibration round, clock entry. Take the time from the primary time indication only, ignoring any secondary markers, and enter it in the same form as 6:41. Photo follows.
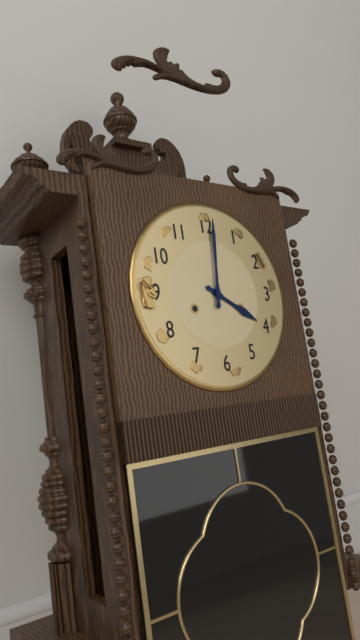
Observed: 4:01
